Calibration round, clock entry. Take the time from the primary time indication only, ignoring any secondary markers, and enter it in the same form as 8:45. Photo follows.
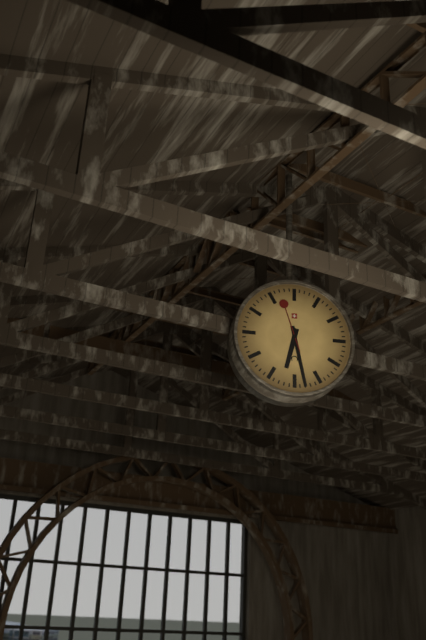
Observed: 6:28
